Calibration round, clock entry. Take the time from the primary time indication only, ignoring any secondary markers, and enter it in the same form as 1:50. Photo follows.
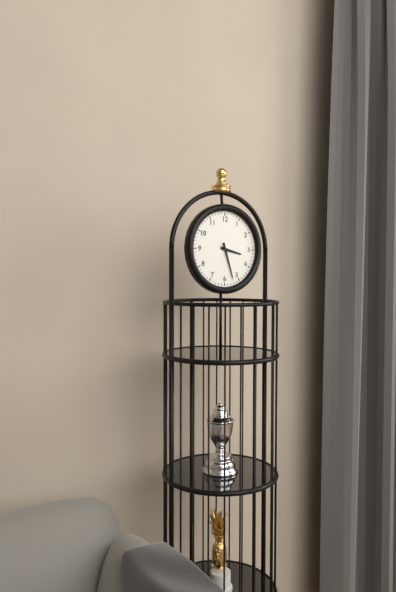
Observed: 3:27
